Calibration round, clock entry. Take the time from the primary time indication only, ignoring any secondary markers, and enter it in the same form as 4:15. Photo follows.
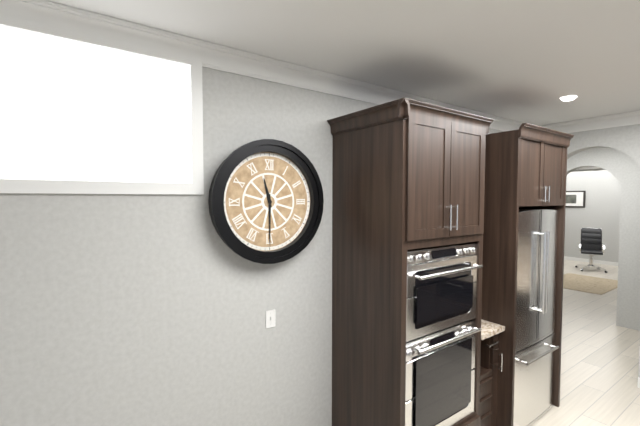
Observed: 11:30
